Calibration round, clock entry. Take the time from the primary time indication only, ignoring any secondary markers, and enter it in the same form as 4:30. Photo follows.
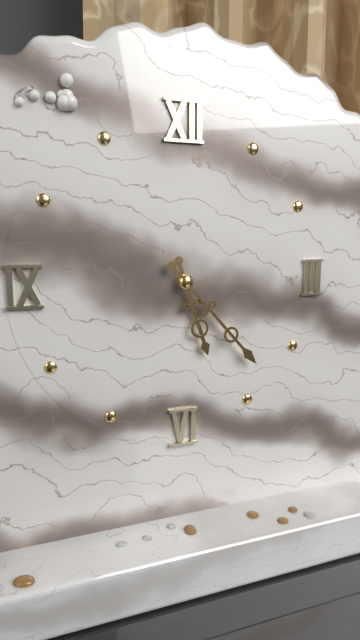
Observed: 5:23
